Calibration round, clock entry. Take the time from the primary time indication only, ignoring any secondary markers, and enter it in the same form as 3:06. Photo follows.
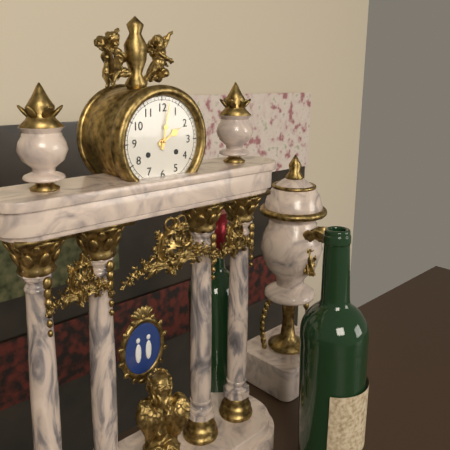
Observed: 2:02
